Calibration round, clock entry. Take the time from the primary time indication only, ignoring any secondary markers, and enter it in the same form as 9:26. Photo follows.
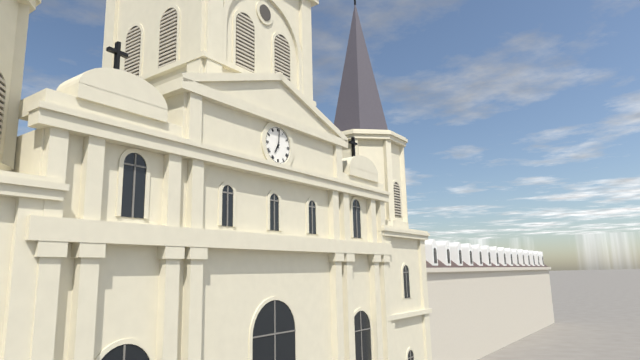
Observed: 7:01
